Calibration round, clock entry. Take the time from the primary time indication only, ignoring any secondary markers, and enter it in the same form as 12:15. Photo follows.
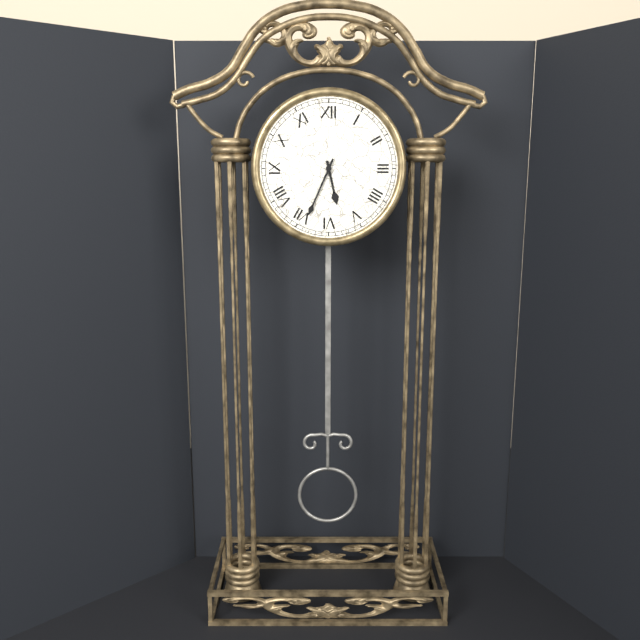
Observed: 5:34
